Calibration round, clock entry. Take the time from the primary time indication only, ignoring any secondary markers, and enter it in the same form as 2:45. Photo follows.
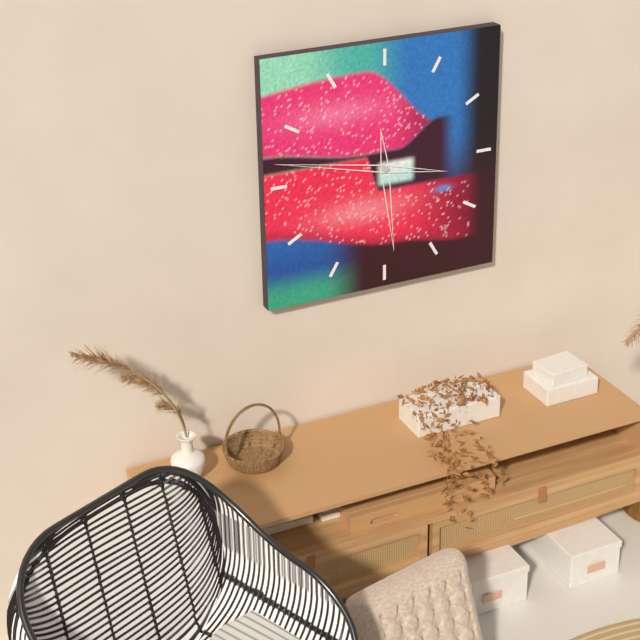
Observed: 5:47
